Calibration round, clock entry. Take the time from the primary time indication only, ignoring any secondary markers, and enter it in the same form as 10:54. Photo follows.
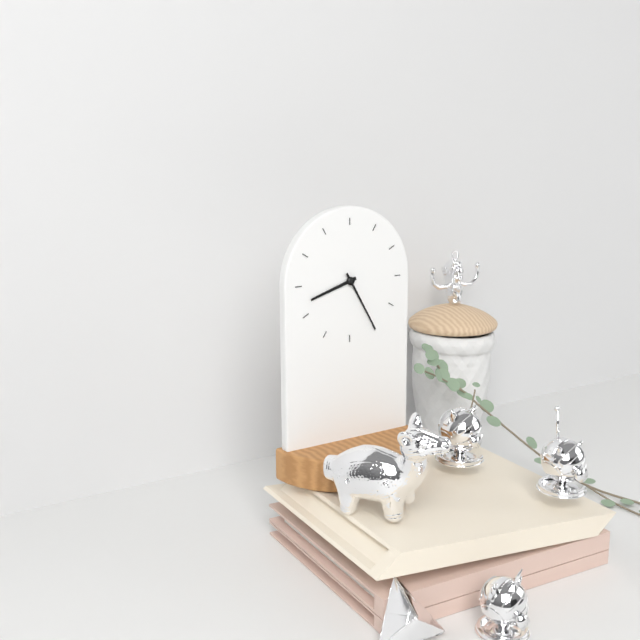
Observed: 8:25
